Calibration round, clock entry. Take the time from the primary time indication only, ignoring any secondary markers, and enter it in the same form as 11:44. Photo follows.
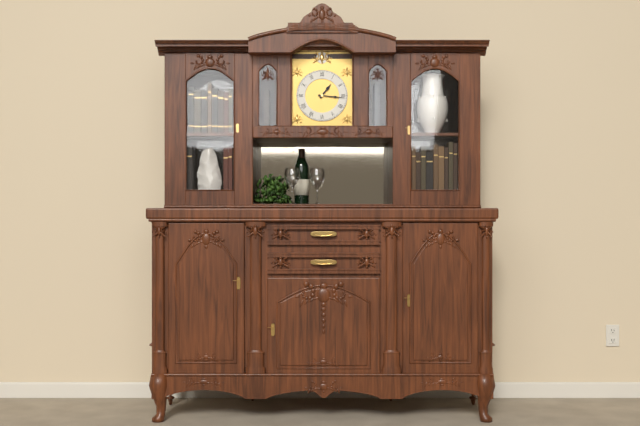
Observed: 1:16
